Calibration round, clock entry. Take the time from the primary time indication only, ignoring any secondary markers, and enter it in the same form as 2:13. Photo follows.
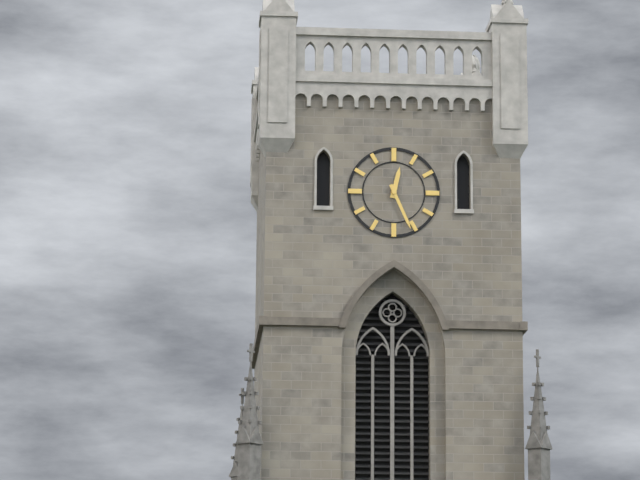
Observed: 12:26
